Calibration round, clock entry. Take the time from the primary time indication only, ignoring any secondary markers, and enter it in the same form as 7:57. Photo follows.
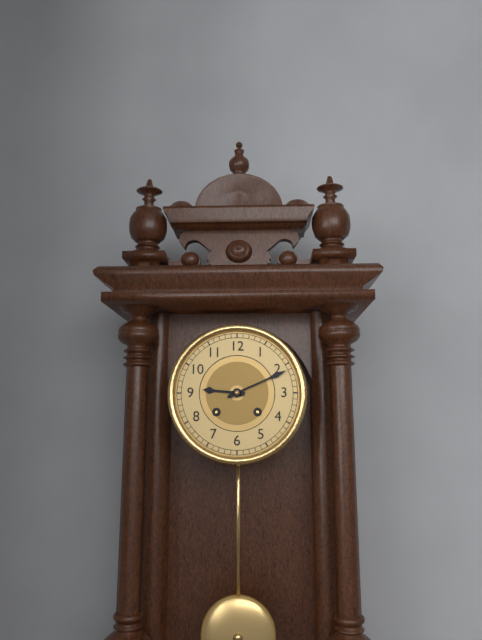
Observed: 9:11
